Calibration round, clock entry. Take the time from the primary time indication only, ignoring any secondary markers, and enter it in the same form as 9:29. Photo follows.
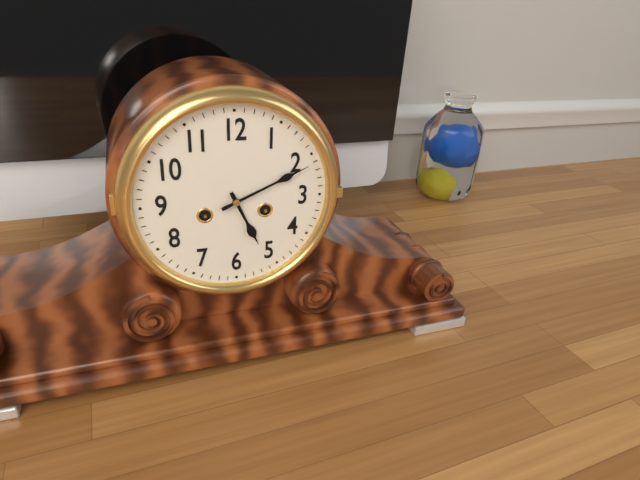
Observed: 5:11
